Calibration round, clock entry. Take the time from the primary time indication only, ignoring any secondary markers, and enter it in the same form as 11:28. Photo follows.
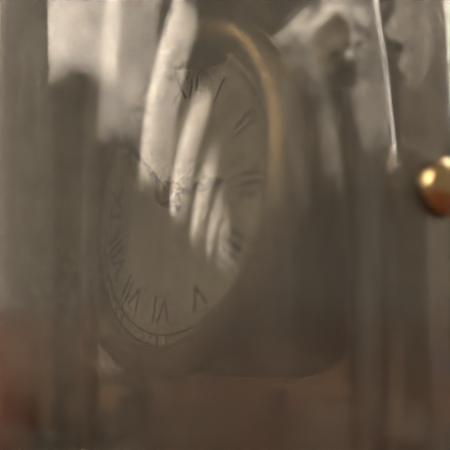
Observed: 2:51
